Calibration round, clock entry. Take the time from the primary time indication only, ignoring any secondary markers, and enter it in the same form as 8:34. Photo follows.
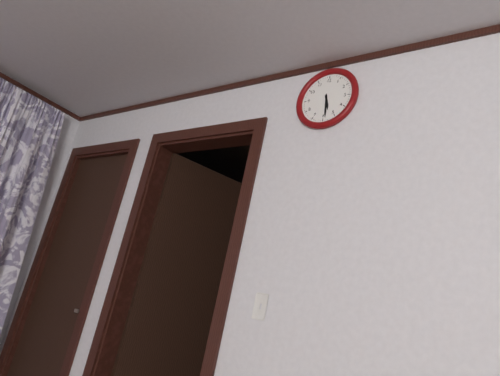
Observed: 5:29
